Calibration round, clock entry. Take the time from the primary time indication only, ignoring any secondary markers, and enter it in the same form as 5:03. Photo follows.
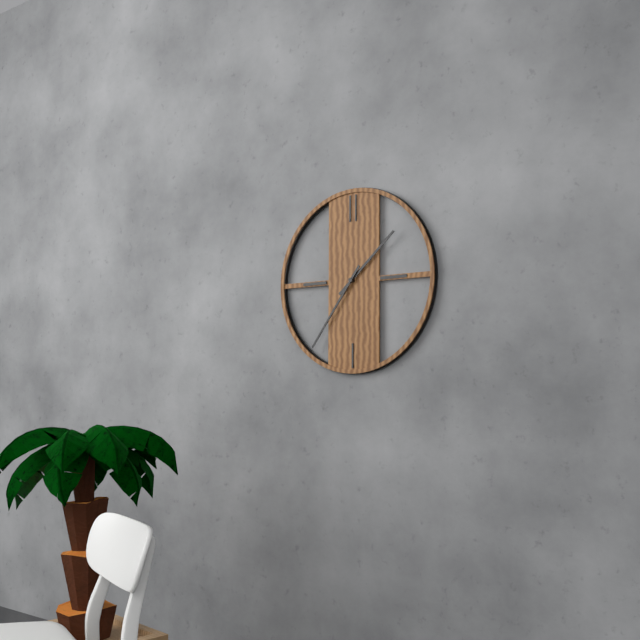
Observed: 1:36
